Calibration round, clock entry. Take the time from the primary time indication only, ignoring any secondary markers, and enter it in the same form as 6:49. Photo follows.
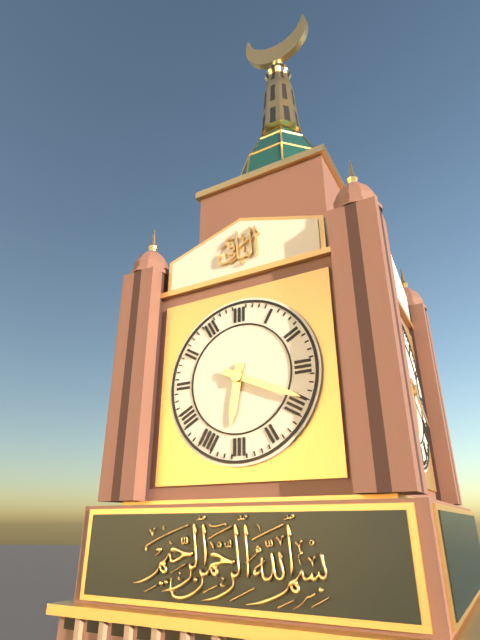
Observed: 6:19
